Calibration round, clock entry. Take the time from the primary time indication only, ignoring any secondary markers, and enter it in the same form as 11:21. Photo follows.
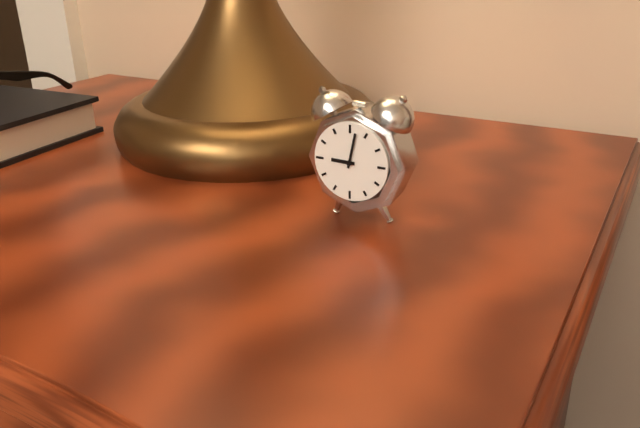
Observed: 9:02
